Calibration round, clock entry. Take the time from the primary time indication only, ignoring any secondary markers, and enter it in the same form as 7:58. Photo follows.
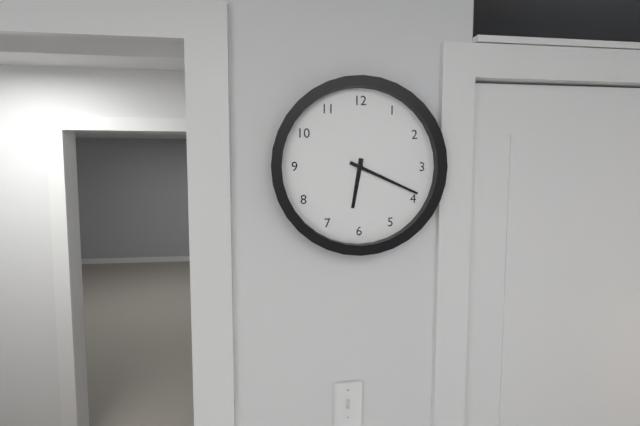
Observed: 6:19
